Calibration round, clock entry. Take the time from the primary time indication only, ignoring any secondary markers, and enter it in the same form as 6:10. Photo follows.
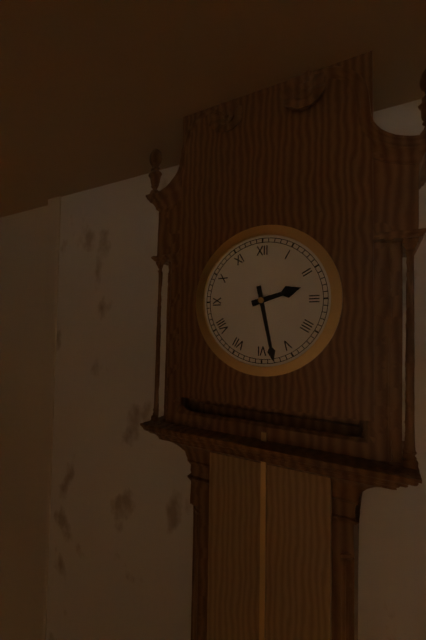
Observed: 2:28
